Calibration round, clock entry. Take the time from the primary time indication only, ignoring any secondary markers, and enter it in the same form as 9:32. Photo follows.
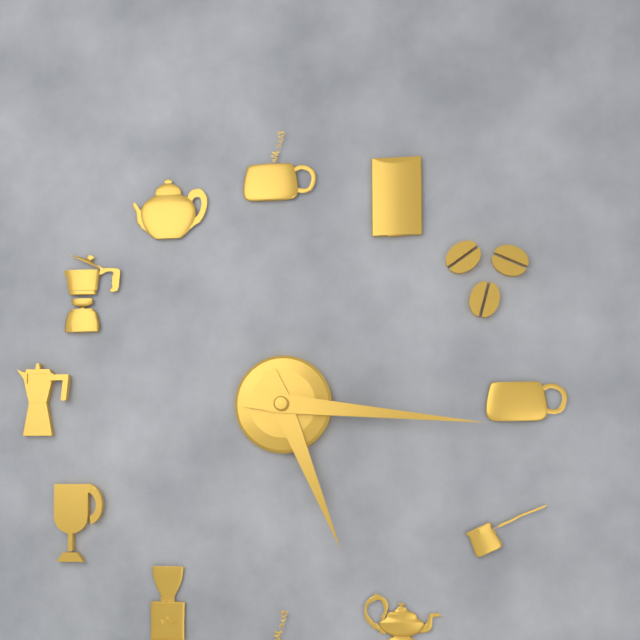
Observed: 5:16
